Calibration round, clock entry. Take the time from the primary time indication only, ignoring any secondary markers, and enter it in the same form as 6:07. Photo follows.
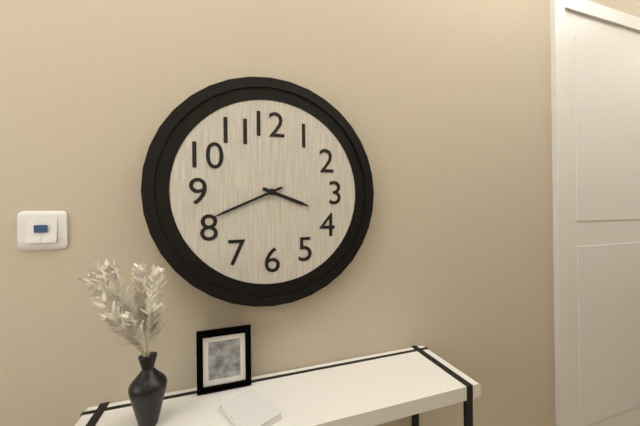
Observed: 3:41
